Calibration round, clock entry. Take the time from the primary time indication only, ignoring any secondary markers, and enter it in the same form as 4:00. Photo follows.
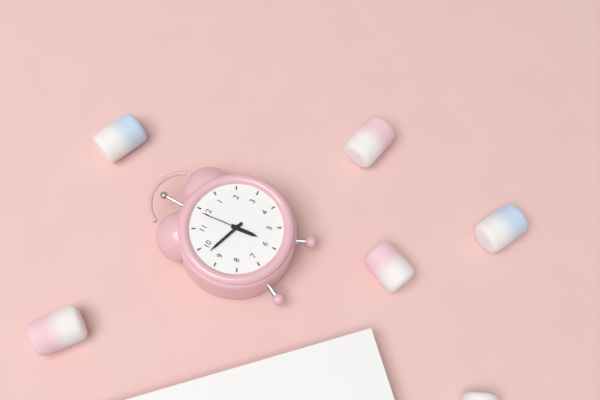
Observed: 5:48
